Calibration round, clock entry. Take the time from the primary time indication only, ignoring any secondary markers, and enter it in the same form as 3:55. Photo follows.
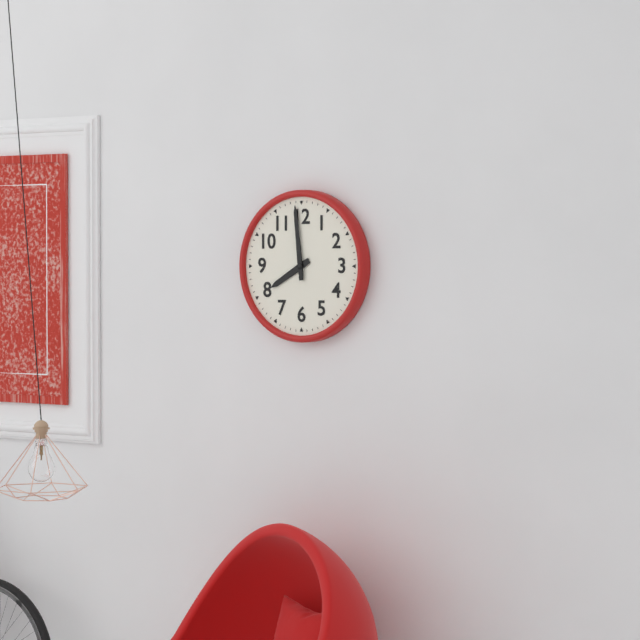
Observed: 7:59
